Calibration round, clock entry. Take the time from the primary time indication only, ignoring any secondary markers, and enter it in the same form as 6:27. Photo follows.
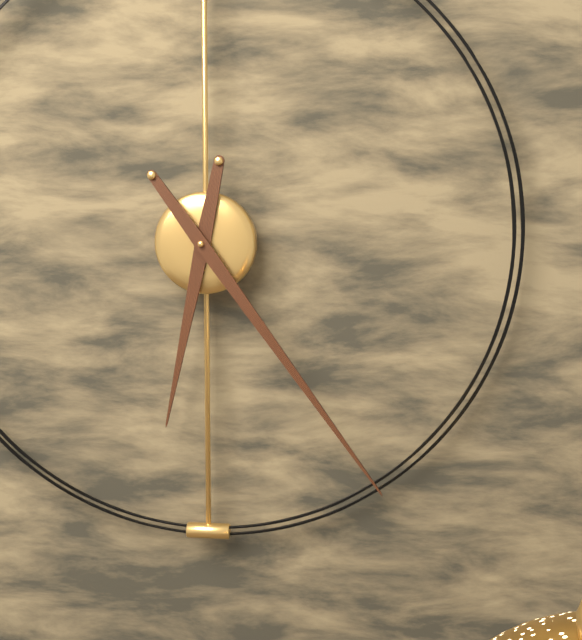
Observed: 6:24
